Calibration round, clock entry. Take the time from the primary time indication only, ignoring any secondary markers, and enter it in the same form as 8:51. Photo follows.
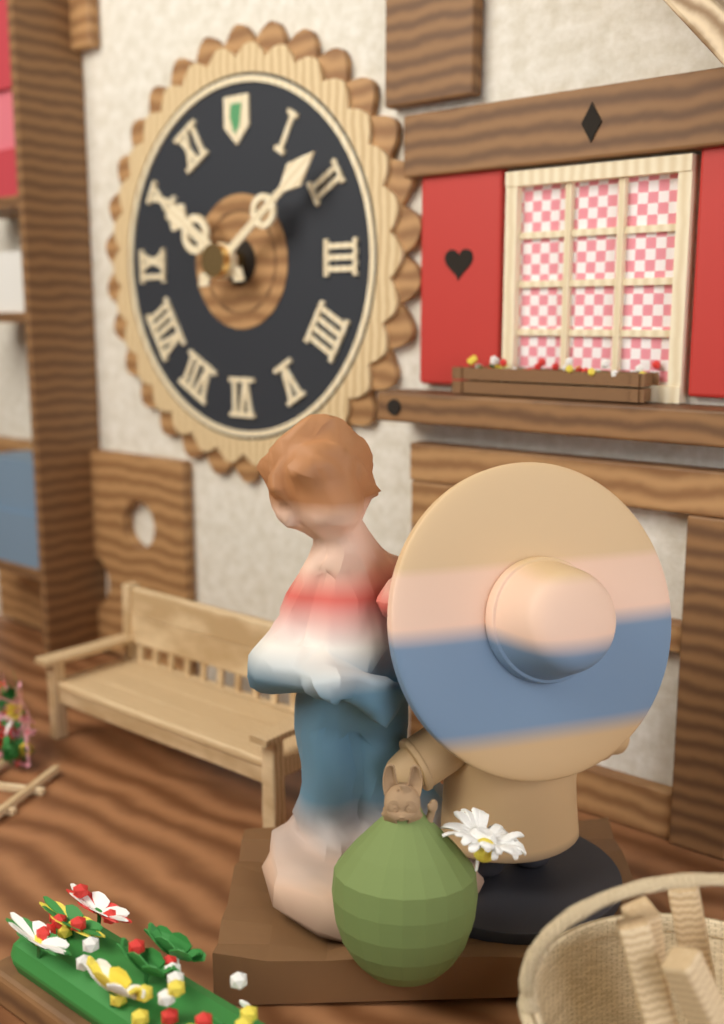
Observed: 10:09
